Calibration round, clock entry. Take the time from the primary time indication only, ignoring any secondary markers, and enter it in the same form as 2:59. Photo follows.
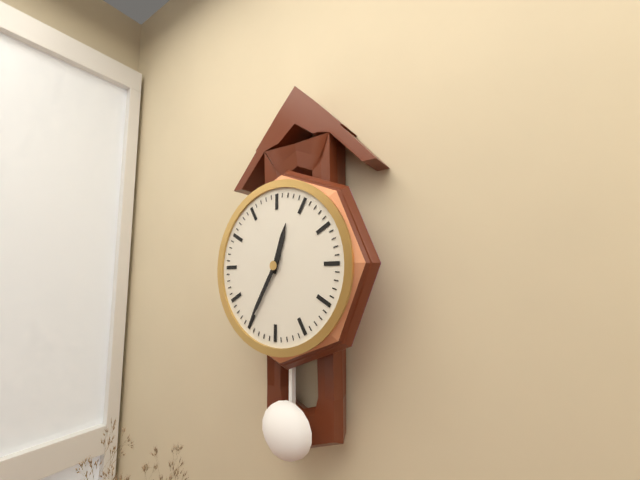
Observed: 12:35
